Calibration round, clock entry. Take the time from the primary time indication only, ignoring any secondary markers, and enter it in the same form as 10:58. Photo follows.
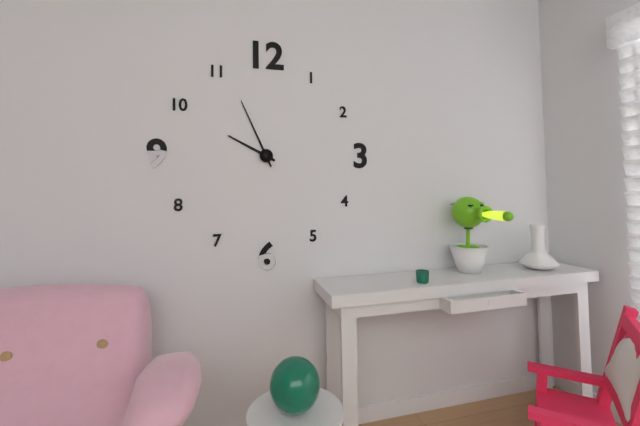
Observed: 9:56
